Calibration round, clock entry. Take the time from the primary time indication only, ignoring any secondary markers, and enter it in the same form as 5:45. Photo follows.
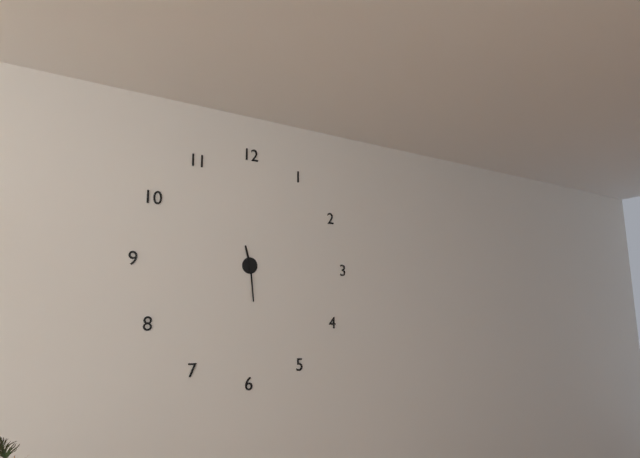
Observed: 11:29
